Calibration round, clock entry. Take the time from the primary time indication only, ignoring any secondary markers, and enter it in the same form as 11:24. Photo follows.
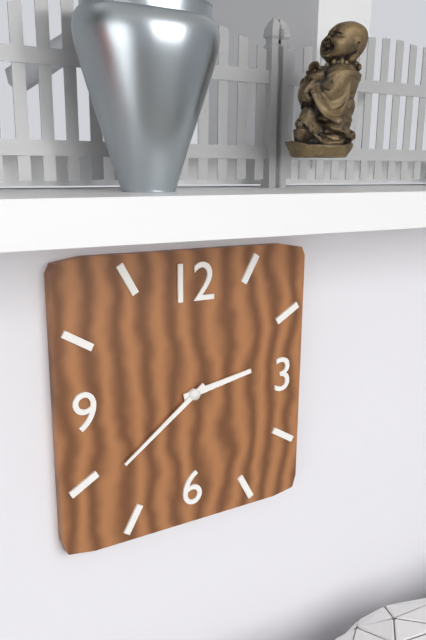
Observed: 2:39
